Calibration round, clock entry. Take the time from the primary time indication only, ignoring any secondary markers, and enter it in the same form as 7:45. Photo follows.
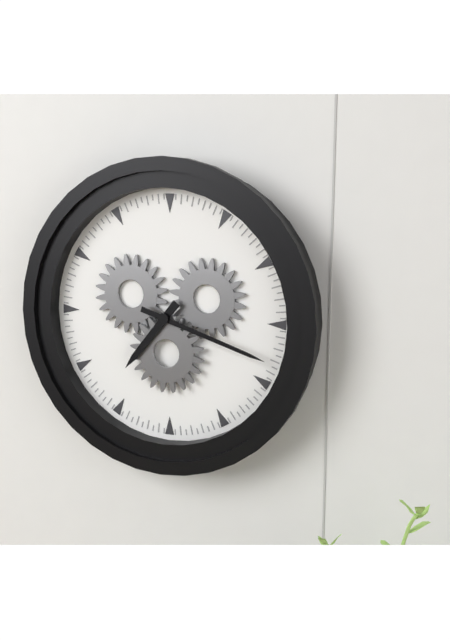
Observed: 7:18
